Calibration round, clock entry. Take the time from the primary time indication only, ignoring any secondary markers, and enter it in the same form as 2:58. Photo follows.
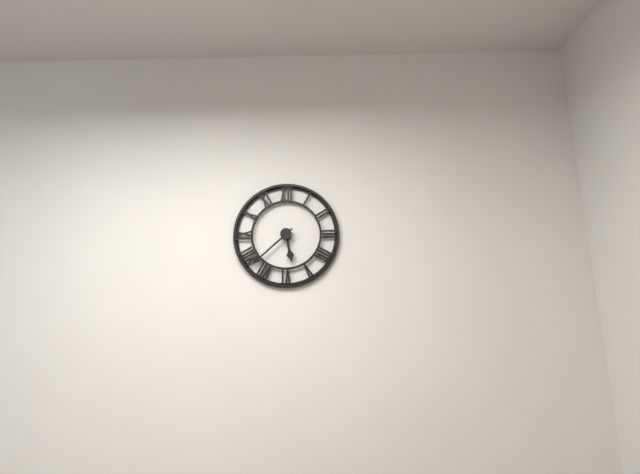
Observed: 5:38
